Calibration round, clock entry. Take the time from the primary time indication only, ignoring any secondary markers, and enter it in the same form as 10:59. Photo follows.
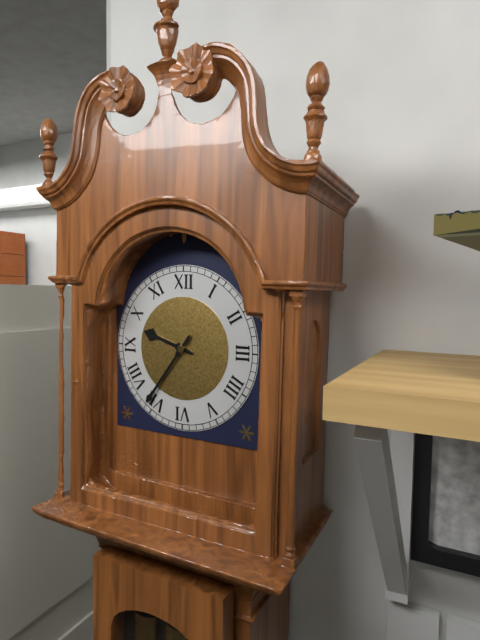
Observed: 9:36
